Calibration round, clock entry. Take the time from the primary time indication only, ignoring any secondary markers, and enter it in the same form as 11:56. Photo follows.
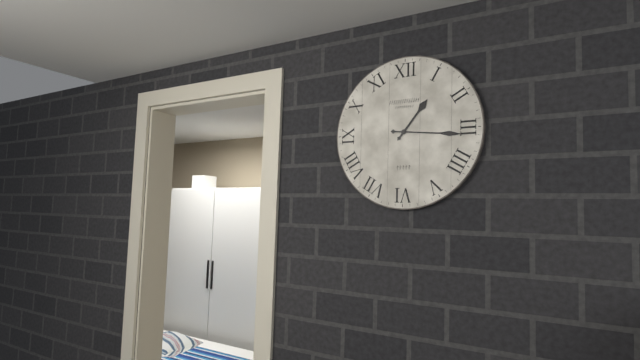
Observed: 1:16
